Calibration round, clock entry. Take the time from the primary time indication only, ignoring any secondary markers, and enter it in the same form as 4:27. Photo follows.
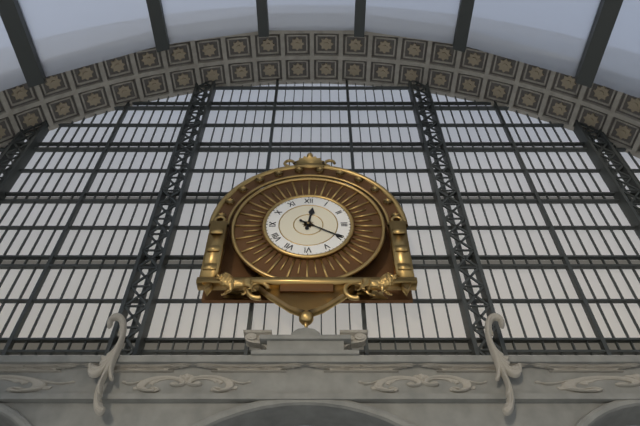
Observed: 12:20
